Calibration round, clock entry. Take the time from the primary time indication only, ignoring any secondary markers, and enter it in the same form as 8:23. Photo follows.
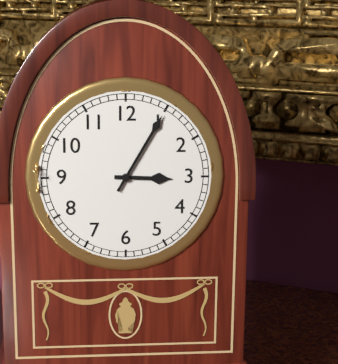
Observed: 3:05
